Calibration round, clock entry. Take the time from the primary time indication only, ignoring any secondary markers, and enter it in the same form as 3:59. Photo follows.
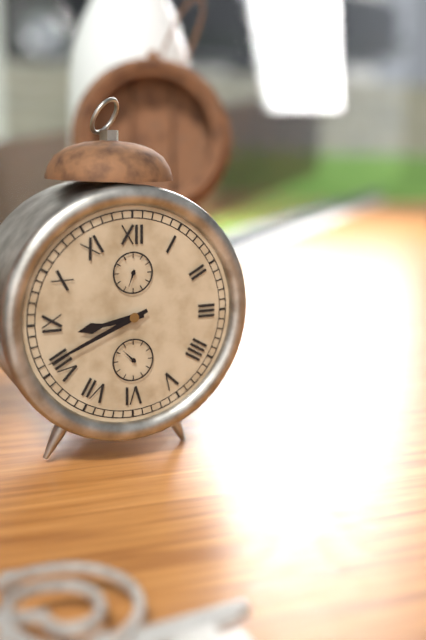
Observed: 8:41
